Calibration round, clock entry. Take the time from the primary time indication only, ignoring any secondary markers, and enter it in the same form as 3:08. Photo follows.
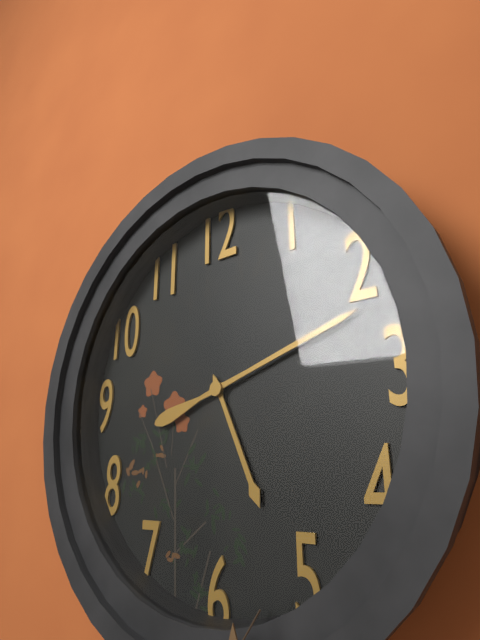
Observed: 5:12
